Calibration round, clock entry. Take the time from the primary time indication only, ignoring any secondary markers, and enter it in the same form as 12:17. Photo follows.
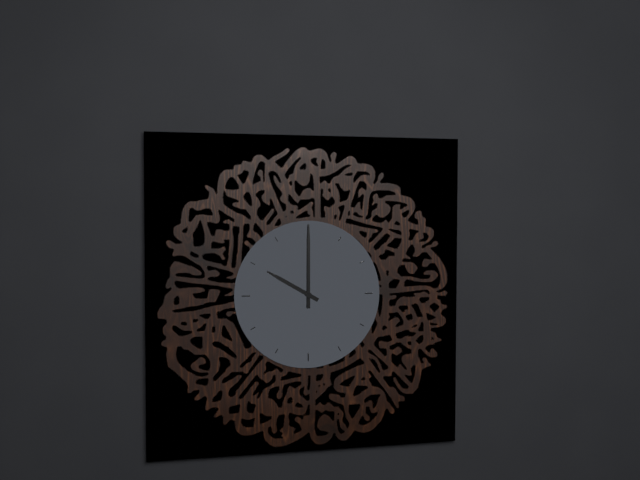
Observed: 10:00
